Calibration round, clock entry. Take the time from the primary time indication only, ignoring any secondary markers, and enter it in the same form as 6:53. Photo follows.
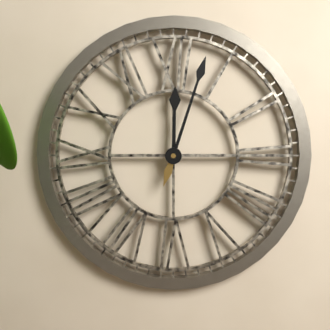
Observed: 12:03
